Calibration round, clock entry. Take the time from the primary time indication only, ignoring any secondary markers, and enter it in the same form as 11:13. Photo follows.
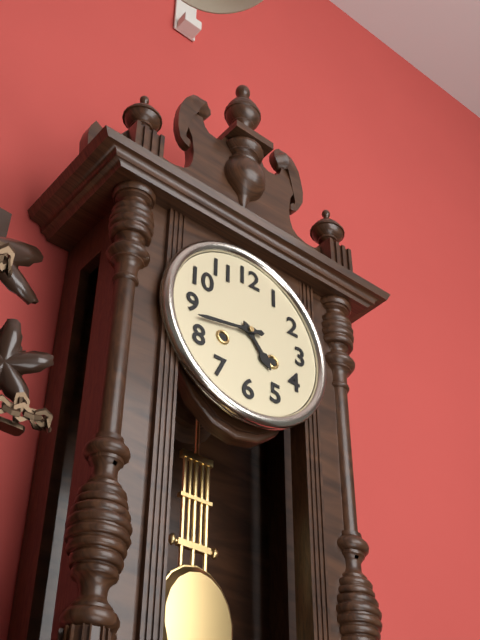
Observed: 4:43
